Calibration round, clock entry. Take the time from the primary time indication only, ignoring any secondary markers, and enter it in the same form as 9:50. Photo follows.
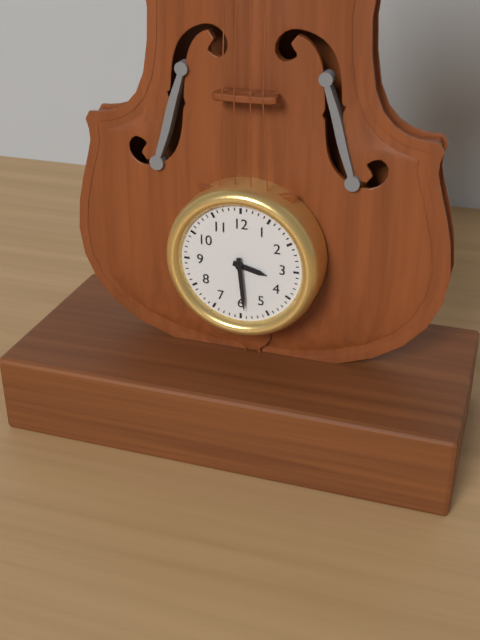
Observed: 3:29
